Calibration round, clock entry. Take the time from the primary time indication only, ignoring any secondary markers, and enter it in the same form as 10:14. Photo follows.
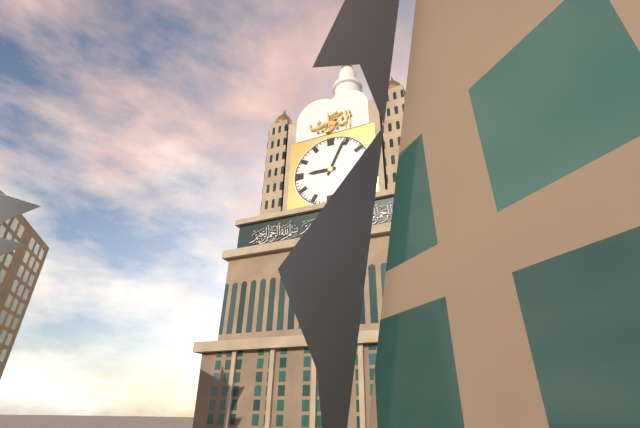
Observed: 9:04
